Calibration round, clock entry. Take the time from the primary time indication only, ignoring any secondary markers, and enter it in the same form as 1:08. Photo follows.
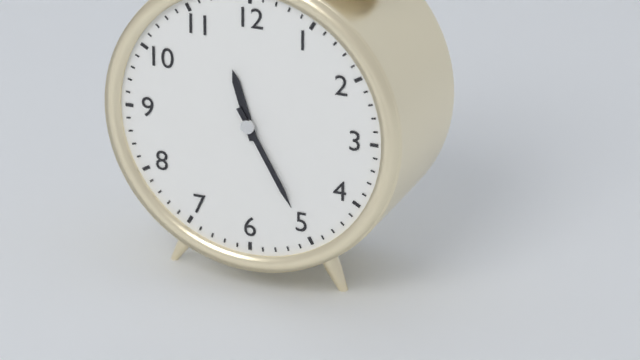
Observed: 11:25
